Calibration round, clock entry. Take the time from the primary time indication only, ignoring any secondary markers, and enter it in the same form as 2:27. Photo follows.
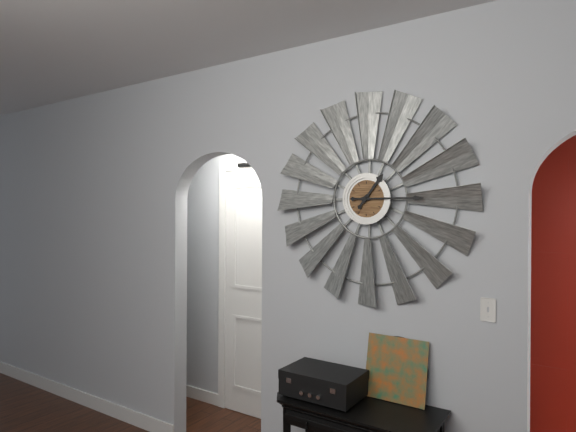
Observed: 1:15
